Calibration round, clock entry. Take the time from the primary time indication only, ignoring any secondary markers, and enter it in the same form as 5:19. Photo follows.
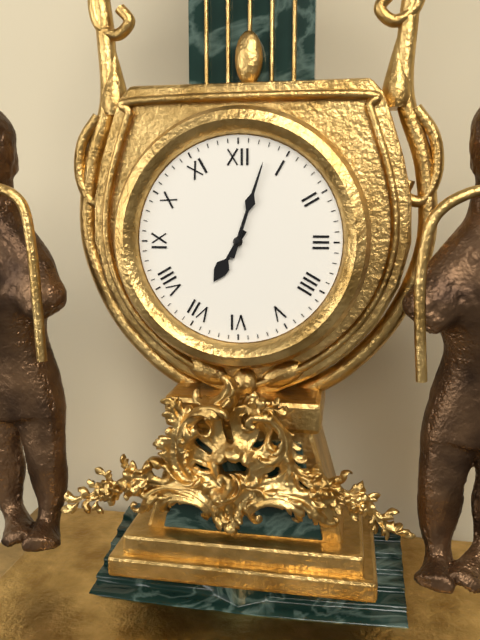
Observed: 7:03
